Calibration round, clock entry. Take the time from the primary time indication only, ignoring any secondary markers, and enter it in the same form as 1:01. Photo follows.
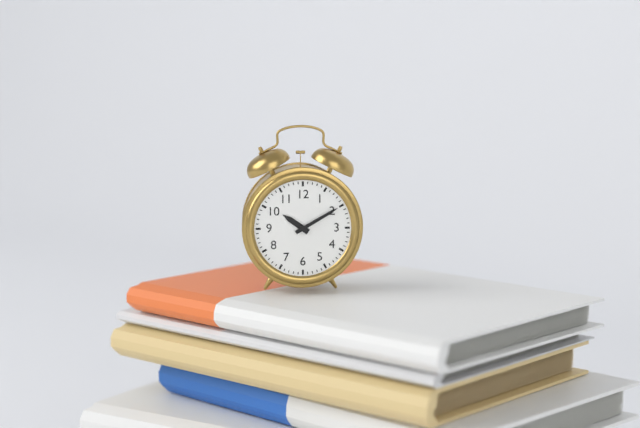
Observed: 10:10
